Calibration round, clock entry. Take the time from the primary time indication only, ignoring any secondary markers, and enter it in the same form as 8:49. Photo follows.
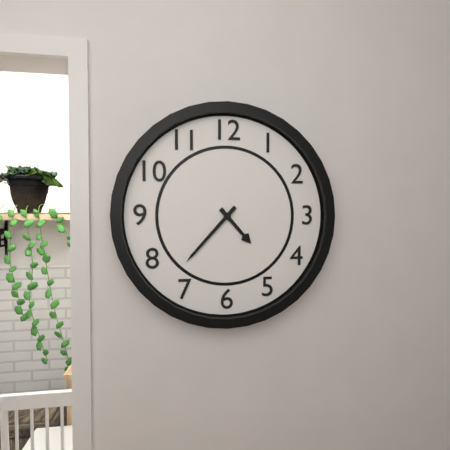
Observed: 4:37
